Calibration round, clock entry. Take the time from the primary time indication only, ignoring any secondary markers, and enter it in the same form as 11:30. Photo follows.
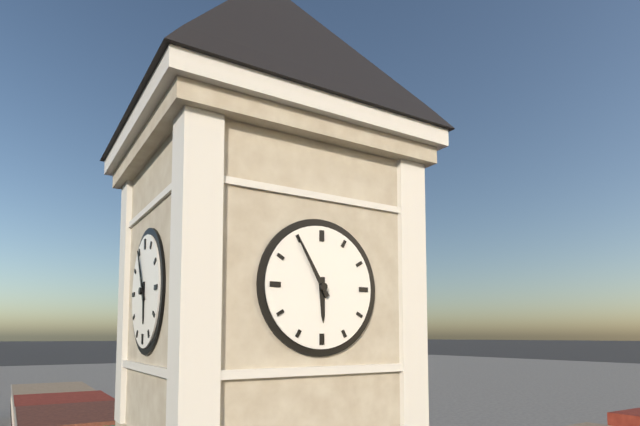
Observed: 5:55
